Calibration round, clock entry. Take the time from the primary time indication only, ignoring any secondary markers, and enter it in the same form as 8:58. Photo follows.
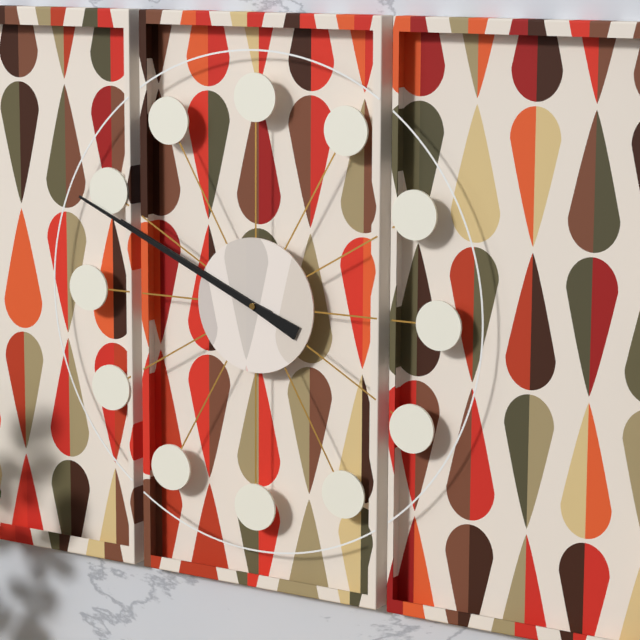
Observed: 9:49
